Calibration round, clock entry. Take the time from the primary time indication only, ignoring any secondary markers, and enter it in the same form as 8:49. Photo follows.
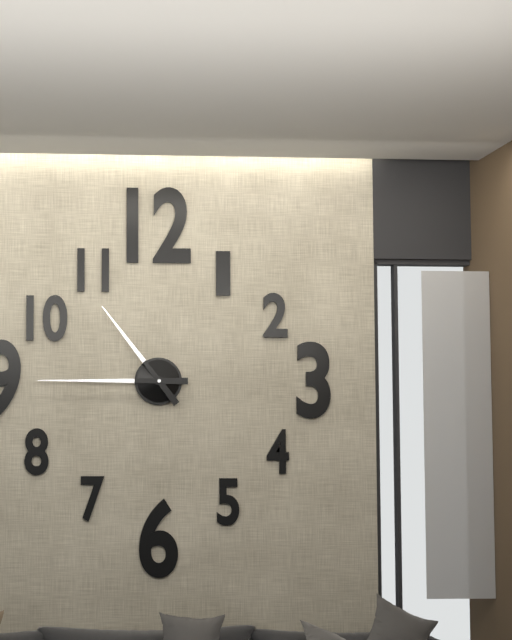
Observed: 10:45
